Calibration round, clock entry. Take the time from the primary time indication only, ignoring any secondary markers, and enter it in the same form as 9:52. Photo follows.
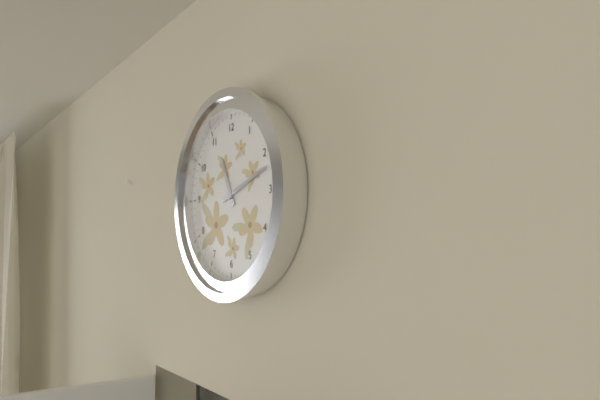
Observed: 11:12
